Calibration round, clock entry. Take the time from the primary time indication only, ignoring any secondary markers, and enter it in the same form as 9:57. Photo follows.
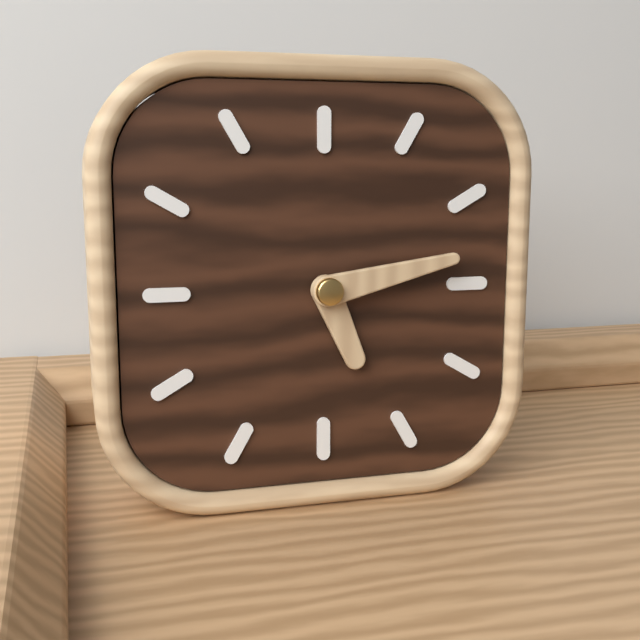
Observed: 5:13
